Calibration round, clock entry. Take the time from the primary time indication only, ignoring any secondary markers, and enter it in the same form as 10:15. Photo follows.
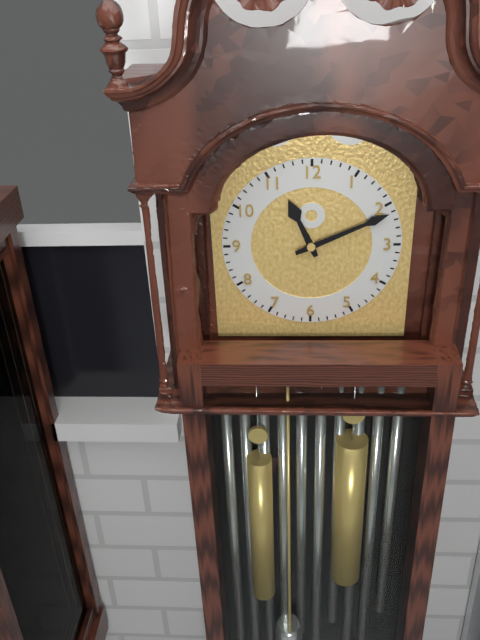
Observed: 11:11
